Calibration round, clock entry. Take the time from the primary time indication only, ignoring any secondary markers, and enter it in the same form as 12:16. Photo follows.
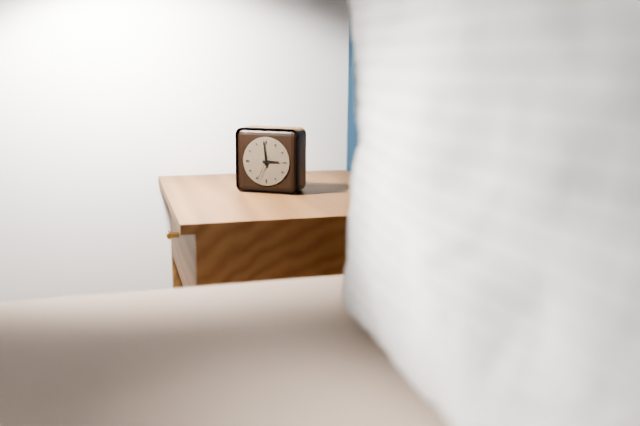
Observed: 2:59
